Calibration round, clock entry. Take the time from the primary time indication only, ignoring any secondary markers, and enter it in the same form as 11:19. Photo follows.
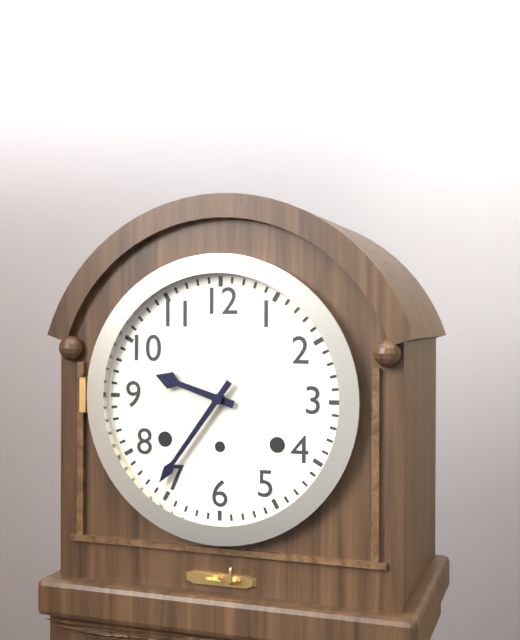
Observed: 9:36
